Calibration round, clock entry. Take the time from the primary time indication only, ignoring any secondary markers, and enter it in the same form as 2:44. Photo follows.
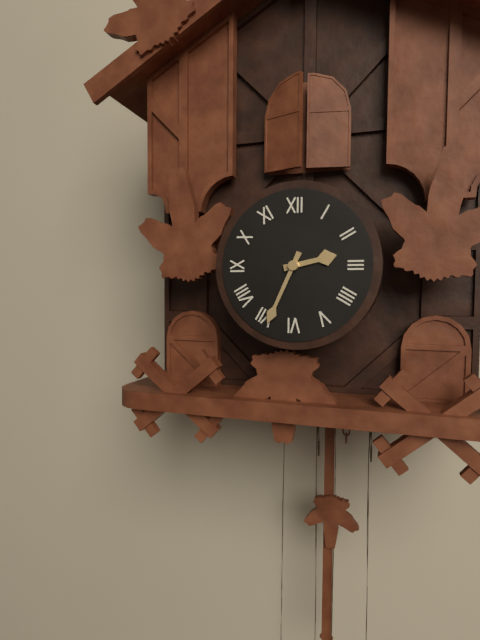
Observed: 2:34
